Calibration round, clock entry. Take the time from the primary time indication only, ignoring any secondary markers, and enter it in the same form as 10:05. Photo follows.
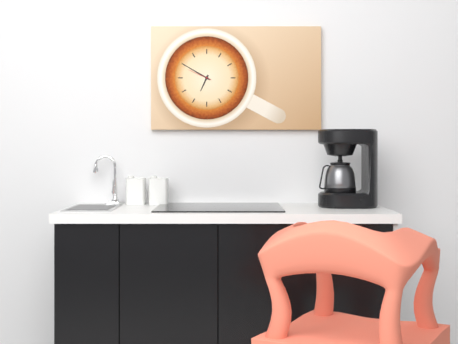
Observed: 6:50
